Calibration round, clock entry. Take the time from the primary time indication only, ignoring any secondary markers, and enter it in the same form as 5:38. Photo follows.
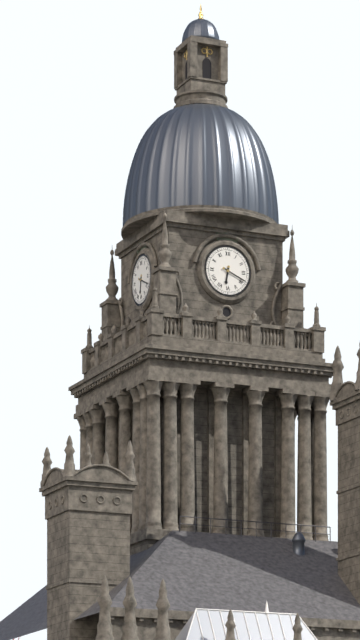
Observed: 6:19
